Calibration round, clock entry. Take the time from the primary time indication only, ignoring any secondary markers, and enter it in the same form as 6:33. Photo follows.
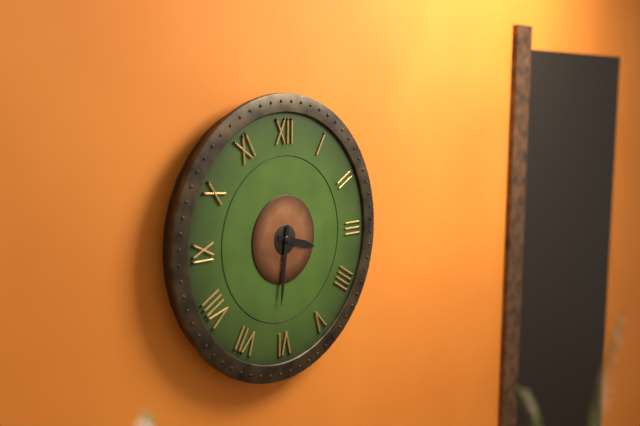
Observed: 3:31
